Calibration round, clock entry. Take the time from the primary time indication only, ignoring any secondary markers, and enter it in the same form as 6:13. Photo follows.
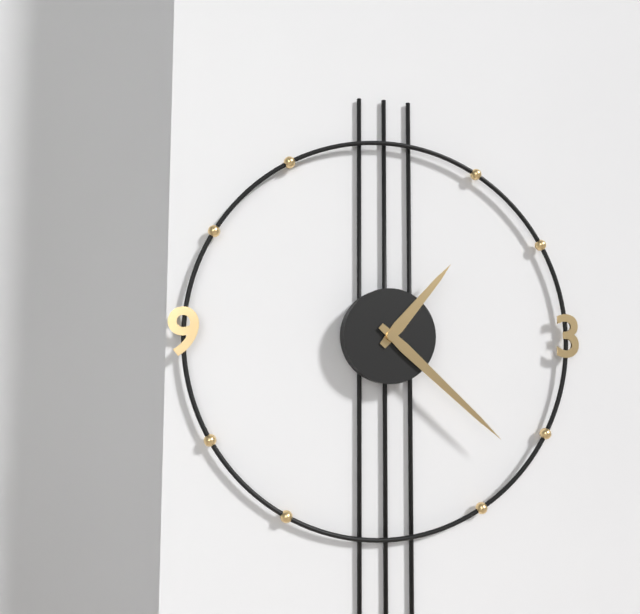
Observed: 1:22
